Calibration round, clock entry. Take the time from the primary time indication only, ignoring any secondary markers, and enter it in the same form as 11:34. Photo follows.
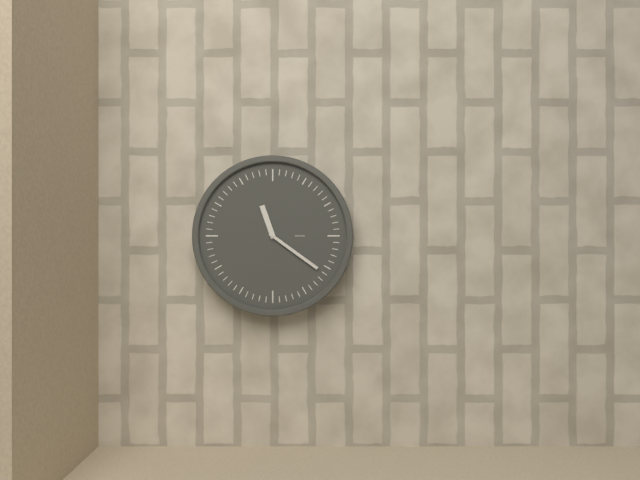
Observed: 11:21
